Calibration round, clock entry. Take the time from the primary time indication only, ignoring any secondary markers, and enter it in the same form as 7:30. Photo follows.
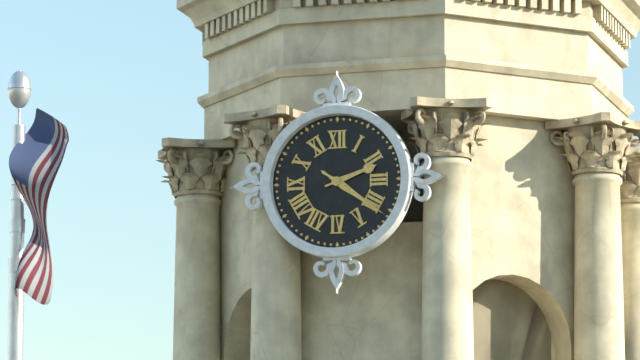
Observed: 2:21
